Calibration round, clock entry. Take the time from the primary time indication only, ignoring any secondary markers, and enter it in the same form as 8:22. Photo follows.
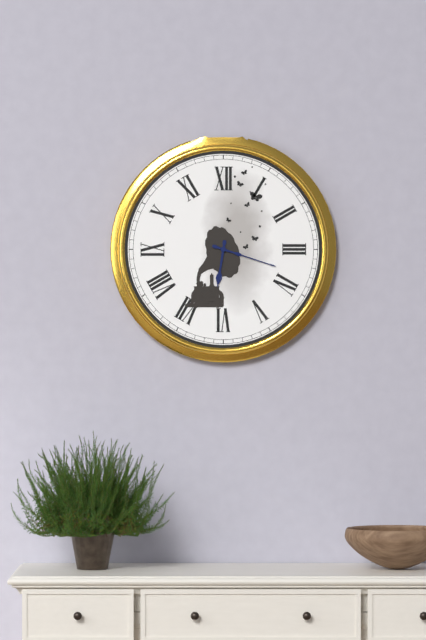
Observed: 6:18
